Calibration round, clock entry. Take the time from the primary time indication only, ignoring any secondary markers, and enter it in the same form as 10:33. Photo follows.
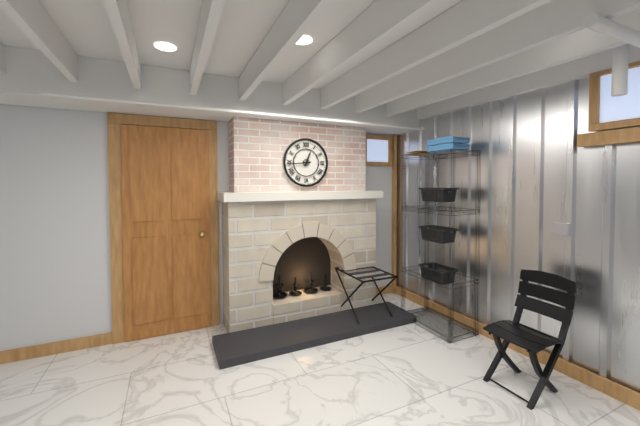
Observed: 12:44
